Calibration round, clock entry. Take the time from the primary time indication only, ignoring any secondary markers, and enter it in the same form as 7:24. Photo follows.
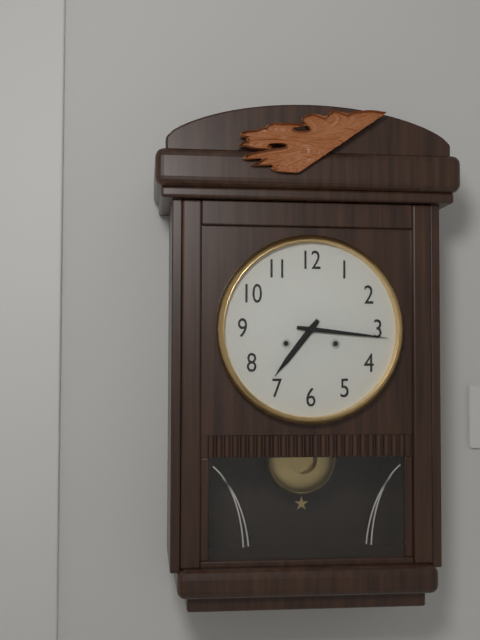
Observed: 7:16
